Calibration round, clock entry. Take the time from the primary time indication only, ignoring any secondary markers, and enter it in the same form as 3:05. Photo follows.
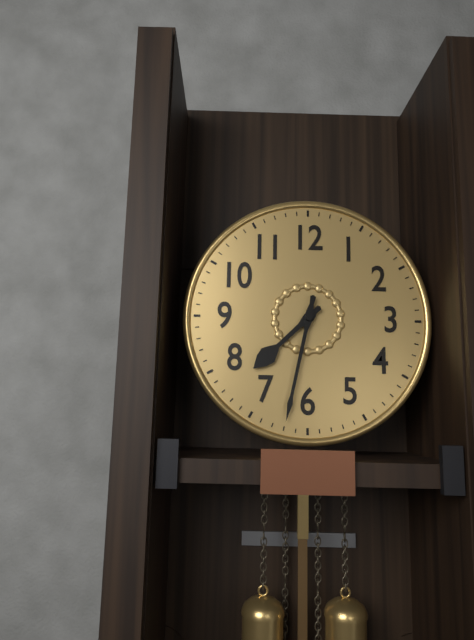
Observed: 7:32
